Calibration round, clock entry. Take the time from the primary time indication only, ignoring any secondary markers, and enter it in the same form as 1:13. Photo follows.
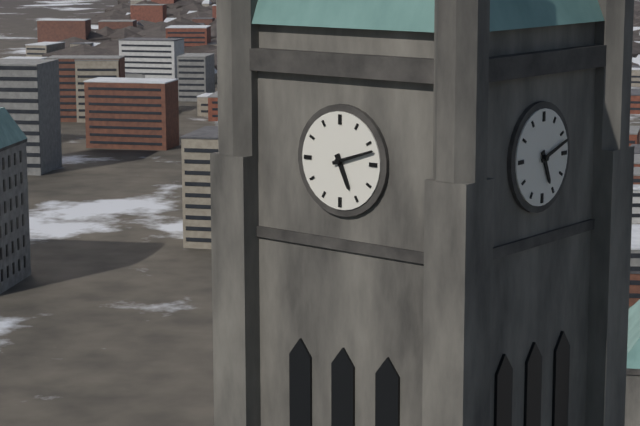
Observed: 5:12
